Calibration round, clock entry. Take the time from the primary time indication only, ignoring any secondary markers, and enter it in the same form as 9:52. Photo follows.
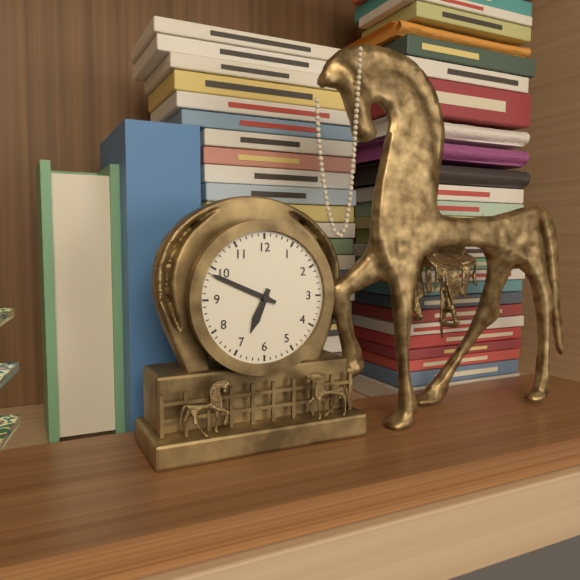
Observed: 6:49
